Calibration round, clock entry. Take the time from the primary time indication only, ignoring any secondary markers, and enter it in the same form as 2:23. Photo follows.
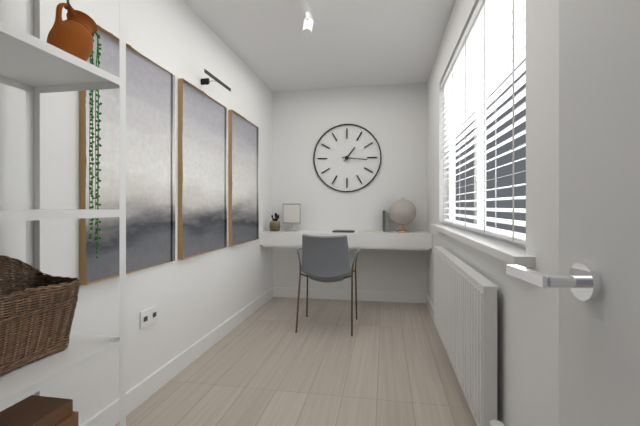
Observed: 1:16
